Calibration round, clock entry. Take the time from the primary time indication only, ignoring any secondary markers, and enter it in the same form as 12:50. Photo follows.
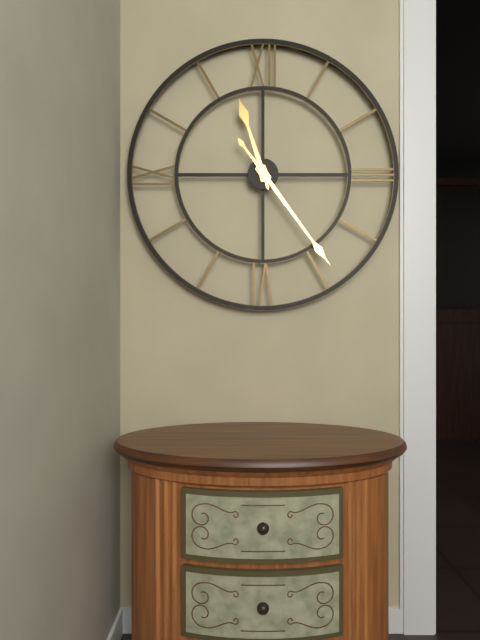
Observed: 11:24
